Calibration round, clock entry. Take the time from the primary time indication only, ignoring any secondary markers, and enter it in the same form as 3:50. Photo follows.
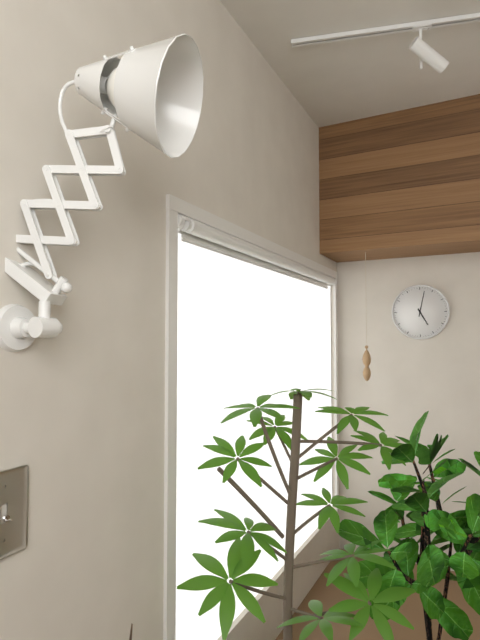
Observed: 5:02
